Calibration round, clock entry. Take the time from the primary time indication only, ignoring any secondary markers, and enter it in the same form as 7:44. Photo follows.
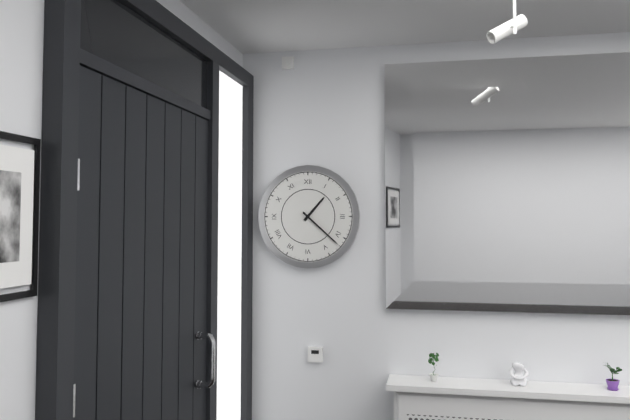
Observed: 1:22
